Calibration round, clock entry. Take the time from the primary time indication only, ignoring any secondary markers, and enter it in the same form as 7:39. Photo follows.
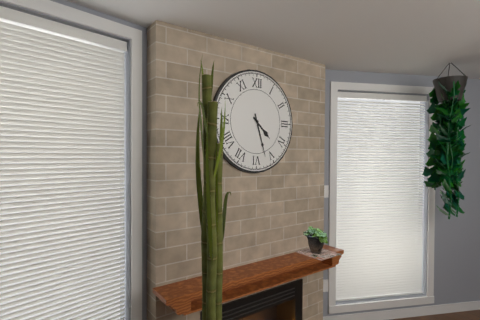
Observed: 4:27
